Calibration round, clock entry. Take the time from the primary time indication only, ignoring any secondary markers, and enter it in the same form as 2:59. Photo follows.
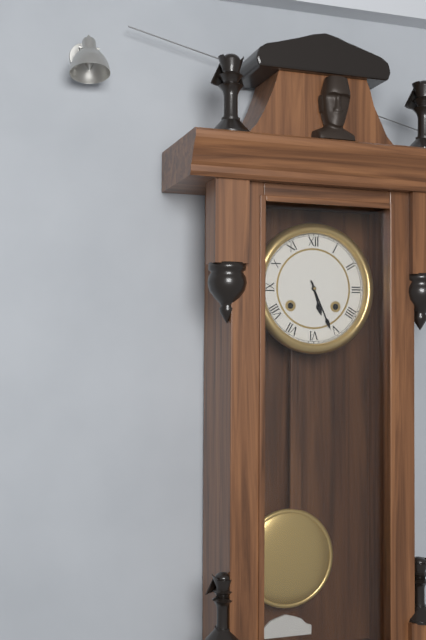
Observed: 5:26
